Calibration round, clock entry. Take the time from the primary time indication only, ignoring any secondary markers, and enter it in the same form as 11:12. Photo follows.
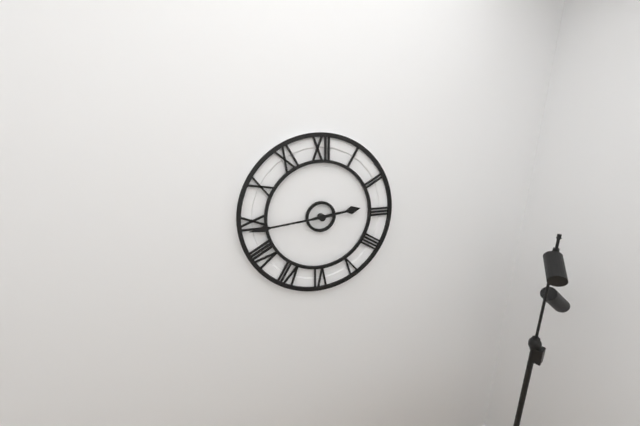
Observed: 2:44
